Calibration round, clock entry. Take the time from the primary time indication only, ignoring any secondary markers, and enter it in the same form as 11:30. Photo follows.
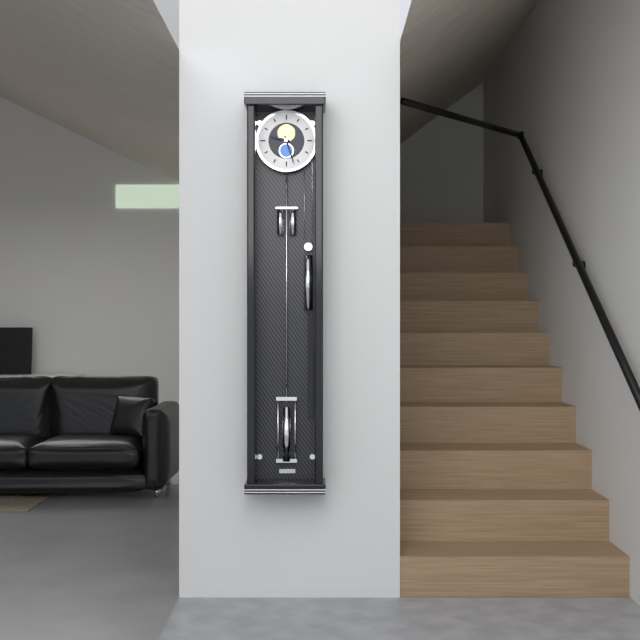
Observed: 9:27
